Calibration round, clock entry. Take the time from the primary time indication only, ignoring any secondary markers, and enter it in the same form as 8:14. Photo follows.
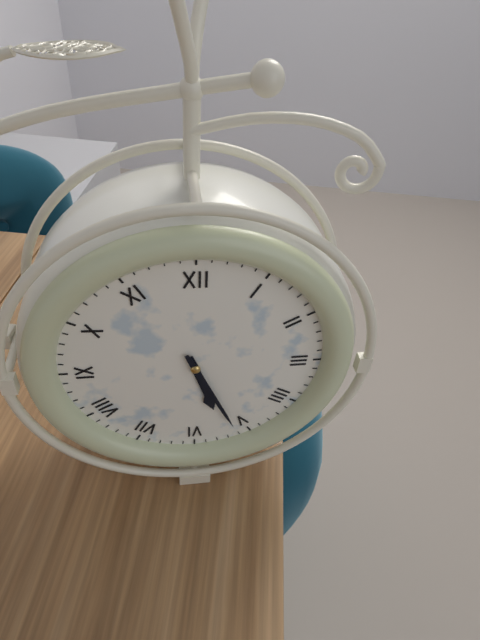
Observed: 5:26
